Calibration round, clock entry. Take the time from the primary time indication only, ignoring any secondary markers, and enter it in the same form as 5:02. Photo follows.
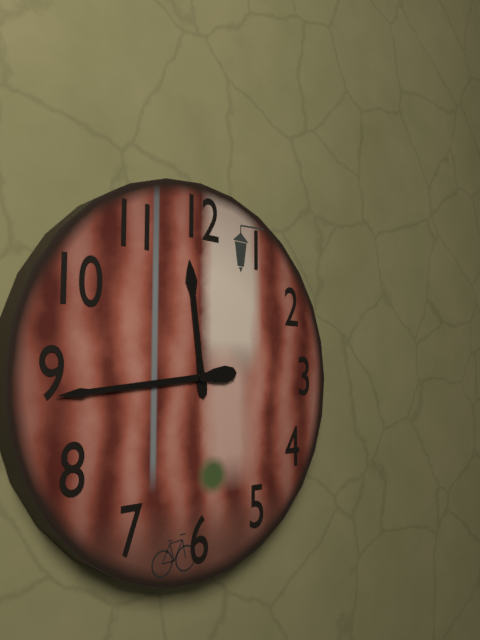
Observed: 11:44
